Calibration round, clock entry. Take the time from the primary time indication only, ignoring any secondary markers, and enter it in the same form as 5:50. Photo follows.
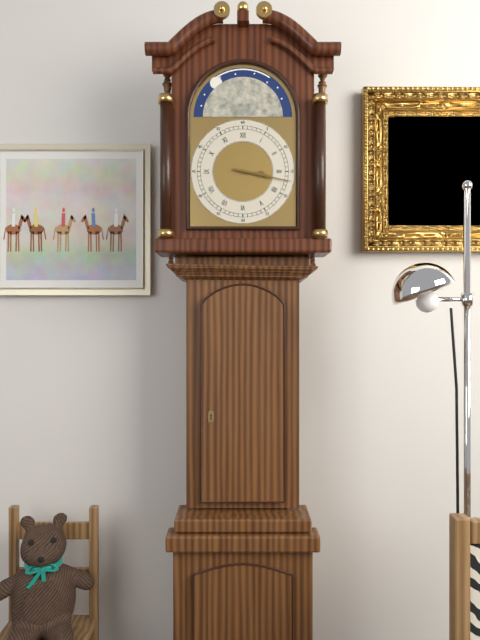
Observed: 3:17
